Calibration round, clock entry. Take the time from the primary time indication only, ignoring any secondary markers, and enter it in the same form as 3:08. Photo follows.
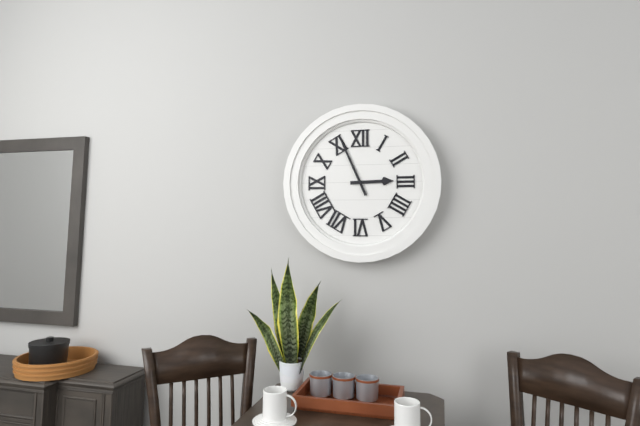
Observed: 2:56
